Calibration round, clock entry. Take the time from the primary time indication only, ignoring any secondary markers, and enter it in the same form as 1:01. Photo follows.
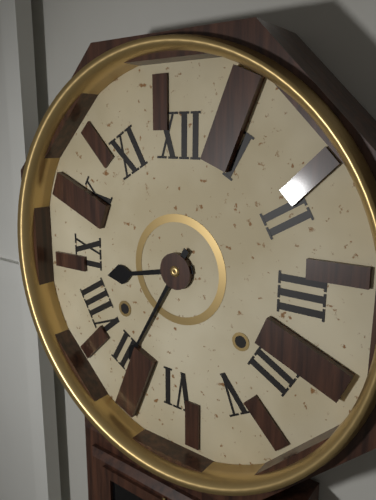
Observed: 8:35
